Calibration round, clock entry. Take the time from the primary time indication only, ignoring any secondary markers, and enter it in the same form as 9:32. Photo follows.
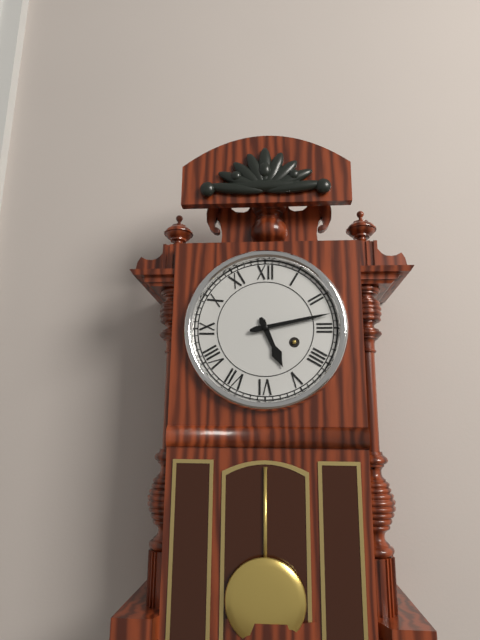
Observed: 5:13
